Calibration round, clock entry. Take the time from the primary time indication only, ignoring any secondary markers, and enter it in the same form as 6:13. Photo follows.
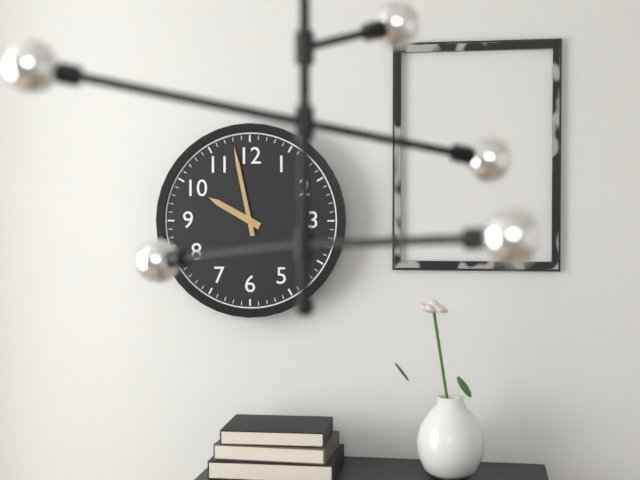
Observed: 9:58
